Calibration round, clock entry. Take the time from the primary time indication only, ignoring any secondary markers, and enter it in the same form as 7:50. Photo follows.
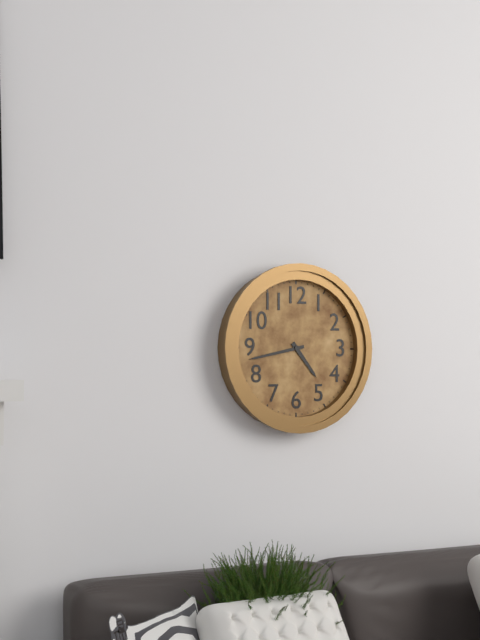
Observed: 4:43
